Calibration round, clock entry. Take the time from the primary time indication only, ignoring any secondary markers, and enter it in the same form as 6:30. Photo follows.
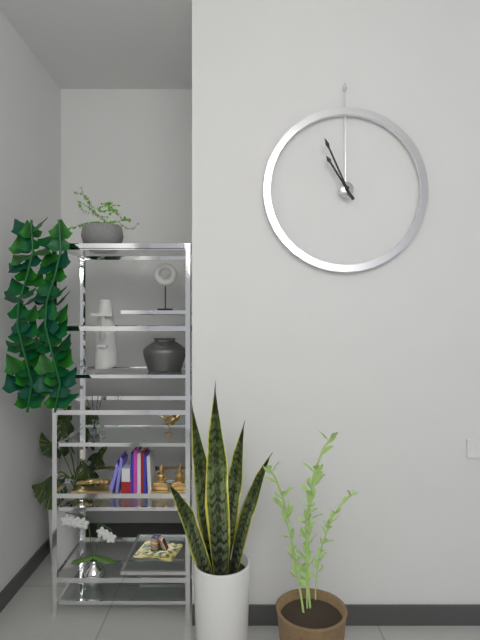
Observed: 10:56
